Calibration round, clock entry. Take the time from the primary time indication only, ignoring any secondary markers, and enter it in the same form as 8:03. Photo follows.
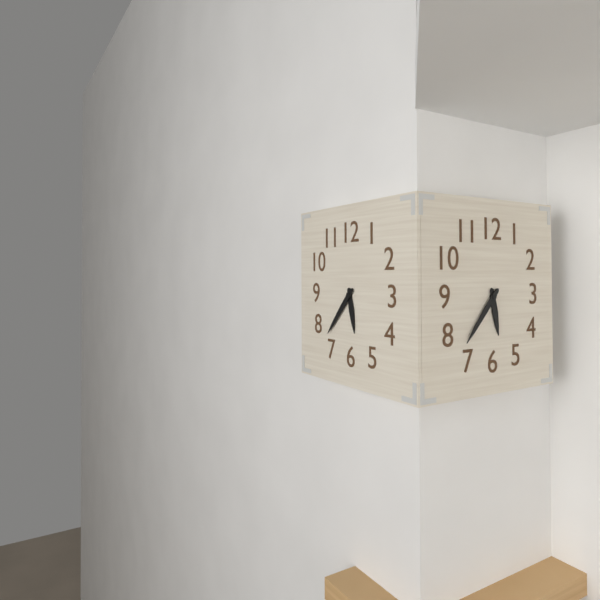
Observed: 5:37
